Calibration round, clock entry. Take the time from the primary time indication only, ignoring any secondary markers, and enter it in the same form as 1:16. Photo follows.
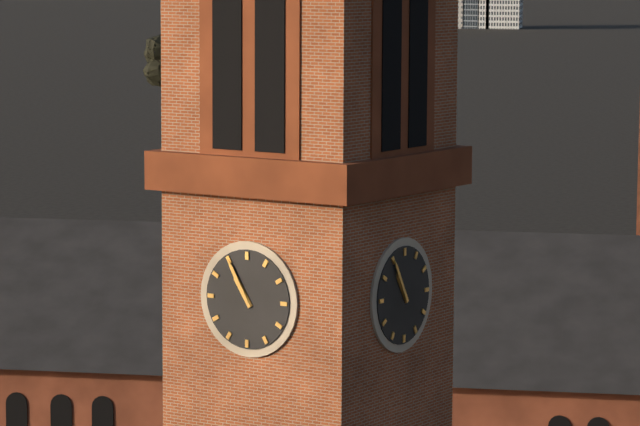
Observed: 10:55
